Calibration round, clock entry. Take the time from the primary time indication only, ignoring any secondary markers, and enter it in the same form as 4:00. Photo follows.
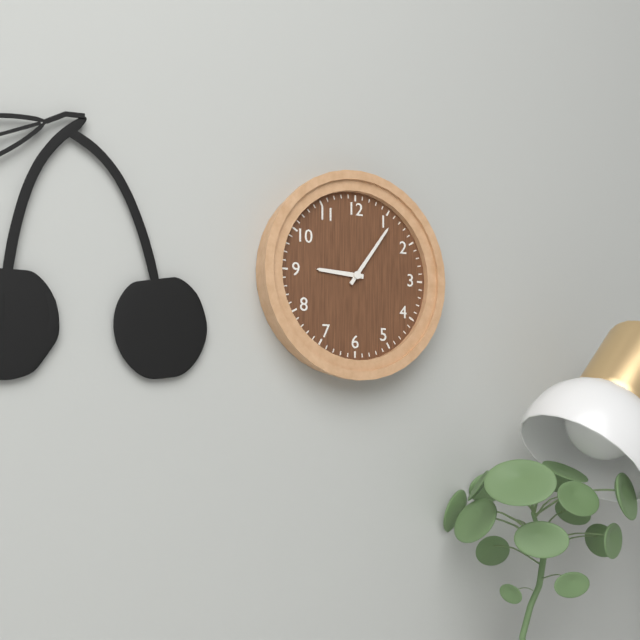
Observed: 9:06
